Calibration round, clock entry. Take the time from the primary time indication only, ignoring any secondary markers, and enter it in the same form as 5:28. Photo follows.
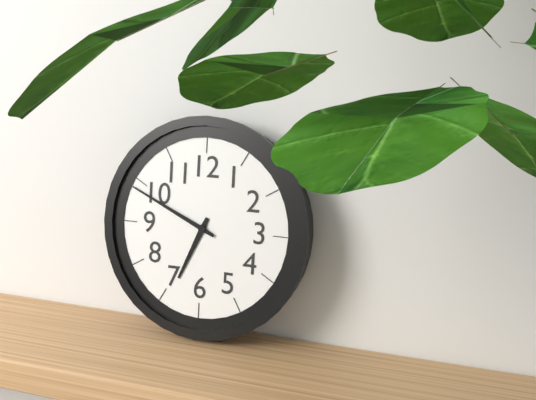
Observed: 6:49
